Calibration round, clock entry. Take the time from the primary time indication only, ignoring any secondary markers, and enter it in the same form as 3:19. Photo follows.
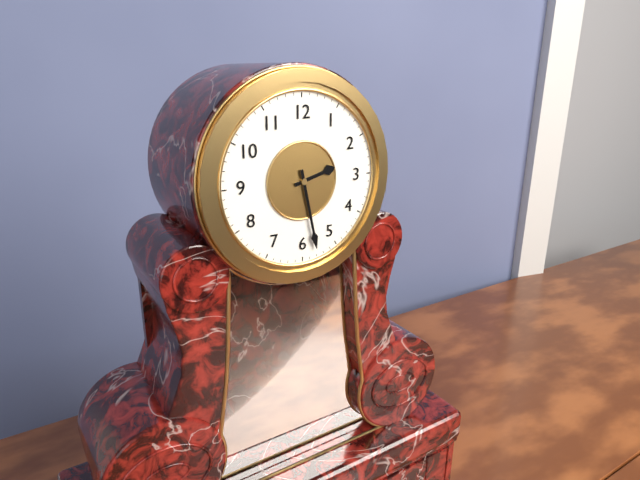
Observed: 2:28
